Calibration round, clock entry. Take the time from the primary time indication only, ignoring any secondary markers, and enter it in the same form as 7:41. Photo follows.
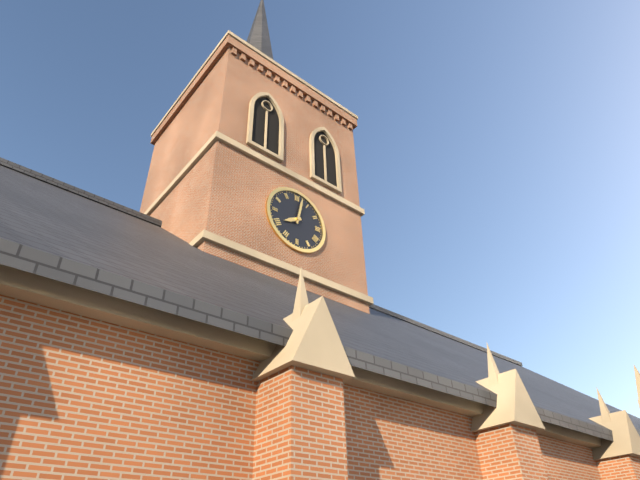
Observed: 8:02
